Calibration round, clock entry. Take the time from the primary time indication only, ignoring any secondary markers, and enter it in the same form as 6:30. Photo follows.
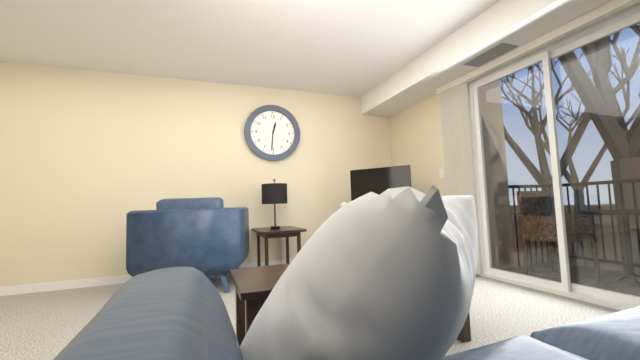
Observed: 12:31
